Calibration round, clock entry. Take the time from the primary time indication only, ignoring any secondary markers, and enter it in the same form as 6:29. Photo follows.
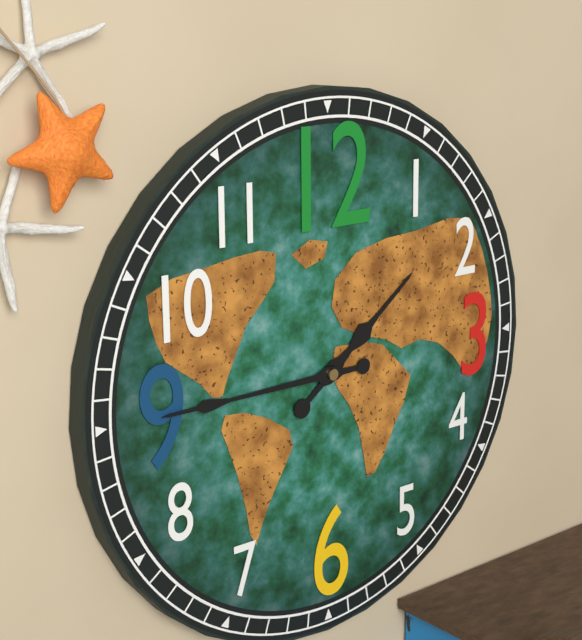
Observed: 1:45
